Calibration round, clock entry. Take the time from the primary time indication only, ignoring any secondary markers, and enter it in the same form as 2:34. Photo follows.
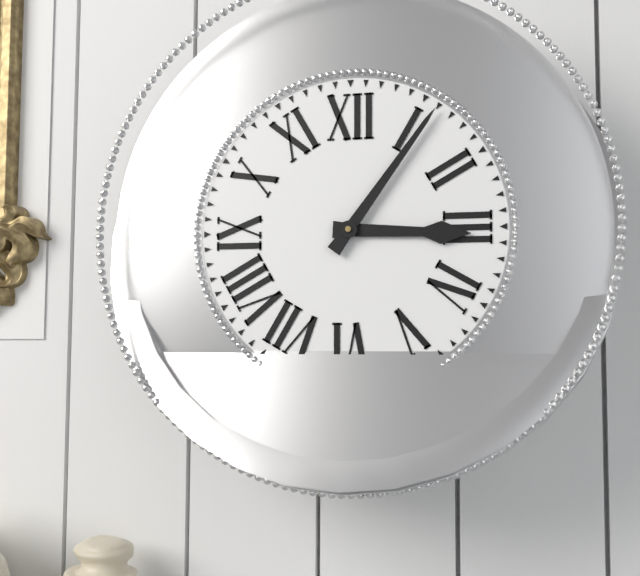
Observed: 3:06
